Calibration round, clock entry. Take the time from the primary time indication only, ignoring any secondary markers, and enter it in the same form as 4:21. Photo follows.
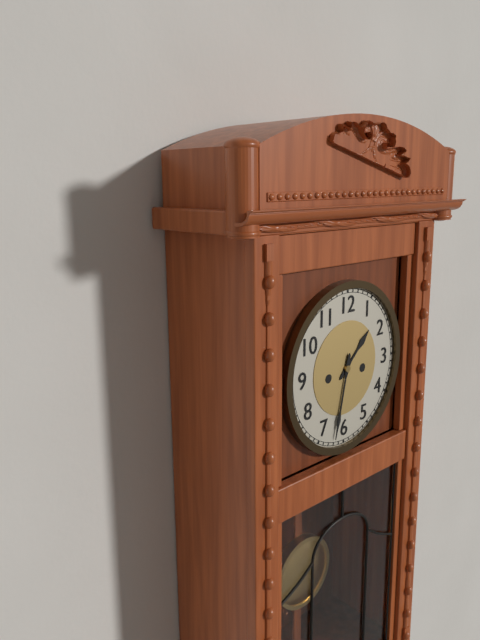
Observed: 1:32
